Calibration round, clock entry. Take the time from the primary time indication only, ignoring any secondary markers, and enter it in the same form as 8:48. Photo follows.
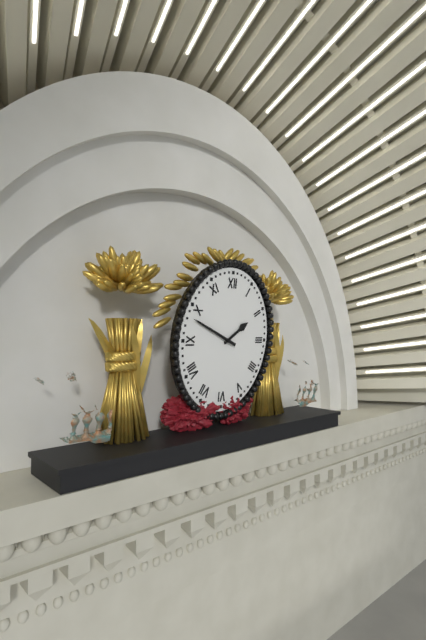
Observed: 1:49
